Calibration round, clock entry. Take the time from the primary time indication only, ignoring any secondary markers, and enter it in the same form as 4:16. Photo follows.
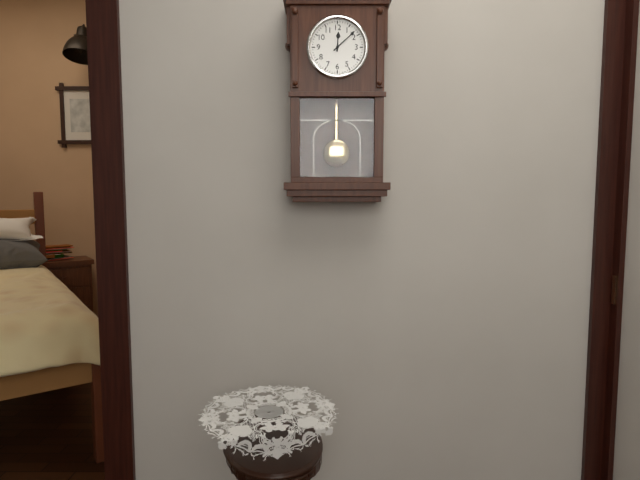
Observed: 12:08
